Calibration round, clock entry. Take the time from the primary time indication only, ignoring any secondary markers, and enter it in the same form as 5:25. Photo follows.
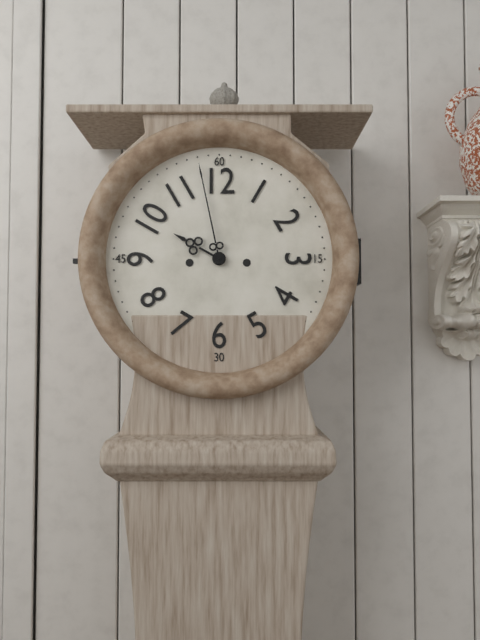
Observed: 9:58
